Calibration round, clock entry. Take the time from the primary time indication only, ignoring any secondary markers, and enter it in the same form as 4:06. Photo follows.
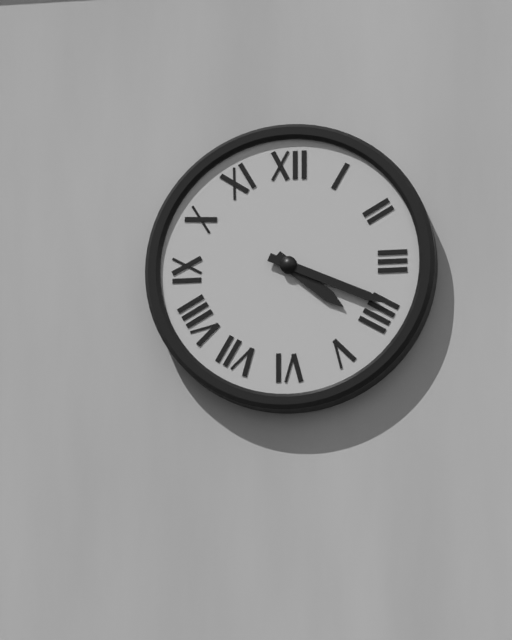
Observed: 4:19
